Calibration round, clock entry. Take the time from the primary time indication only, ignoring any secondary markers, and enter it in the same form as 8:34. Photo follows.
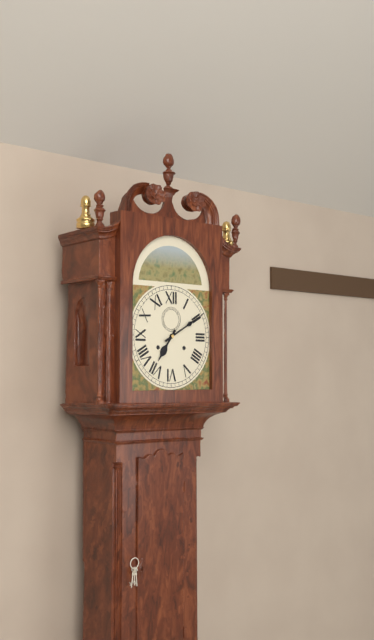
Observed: 7:10
